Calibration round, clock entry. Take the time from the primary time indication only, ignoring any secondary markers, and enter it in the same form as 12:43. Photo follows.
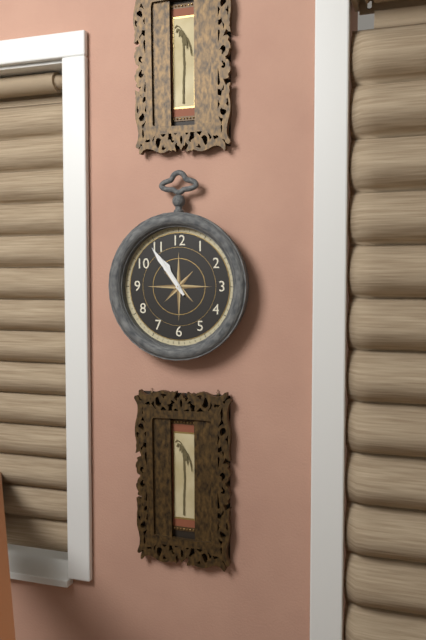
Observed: 10:54
